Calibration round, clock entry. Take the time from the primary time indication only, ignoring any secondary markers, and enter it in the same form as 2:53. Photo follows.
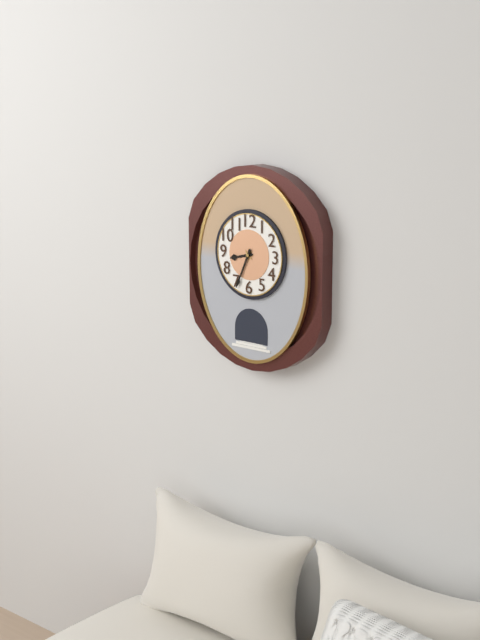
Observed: 8:34
